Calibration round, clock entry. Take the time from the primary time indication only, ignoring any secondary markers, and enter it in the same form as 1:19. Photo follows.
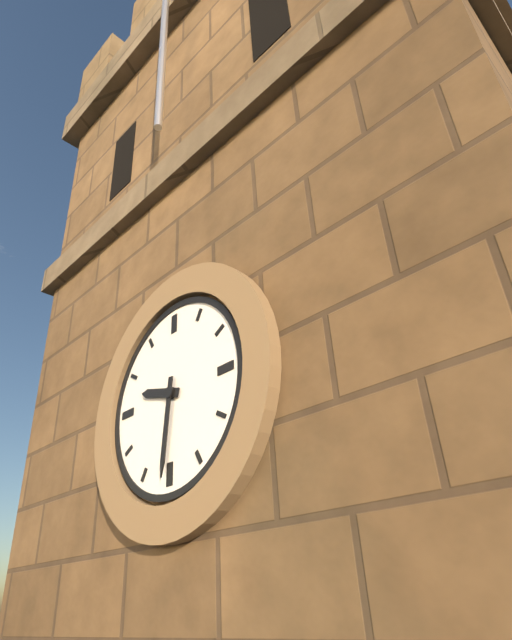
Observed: 9:31
